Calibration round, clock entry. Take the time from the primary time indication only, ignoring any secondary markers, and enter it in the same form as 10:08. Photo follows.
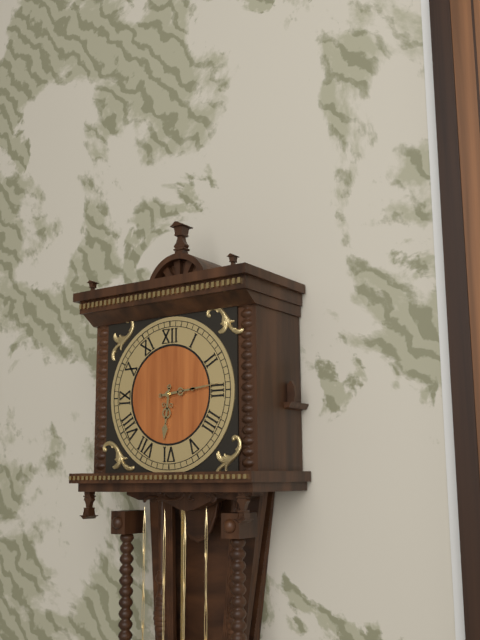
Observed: 6:14
